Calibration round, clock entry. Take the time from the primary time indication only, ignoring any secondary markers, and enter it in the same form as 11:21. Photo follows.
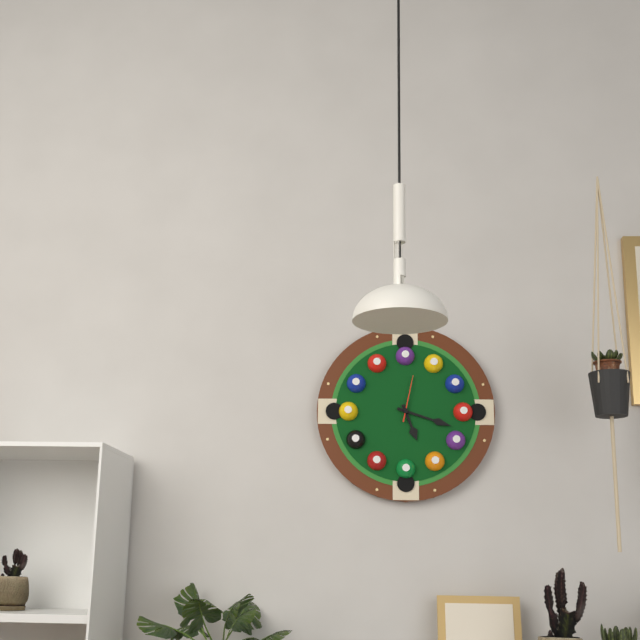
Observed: 5:18
